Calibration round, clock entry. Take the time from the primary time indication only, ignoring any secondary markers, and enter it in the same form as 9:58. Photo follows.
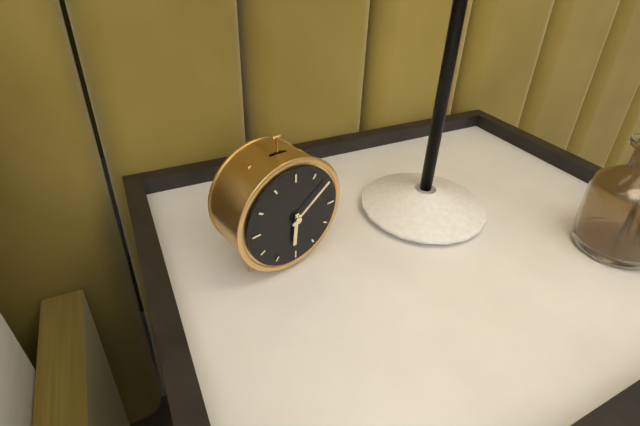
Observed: 6:09
